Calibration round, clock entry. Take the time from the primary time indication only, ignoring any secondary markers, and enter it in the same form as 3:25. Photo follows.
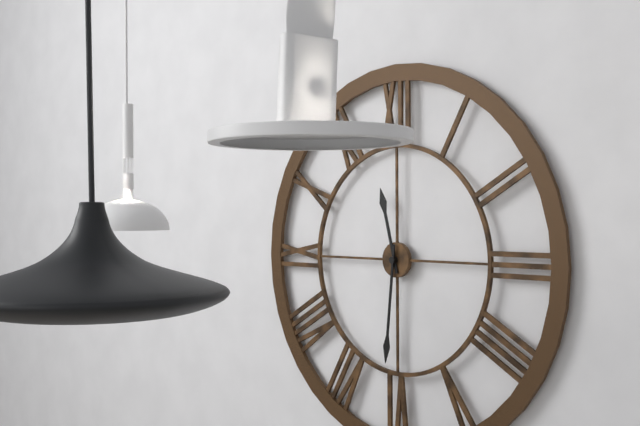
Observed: 11:31
